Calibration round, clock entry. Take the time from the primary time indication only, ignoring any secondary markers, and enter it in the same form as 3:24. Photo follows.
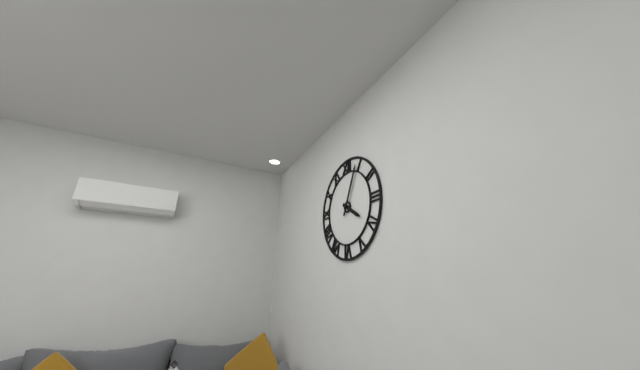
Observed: 4:04
